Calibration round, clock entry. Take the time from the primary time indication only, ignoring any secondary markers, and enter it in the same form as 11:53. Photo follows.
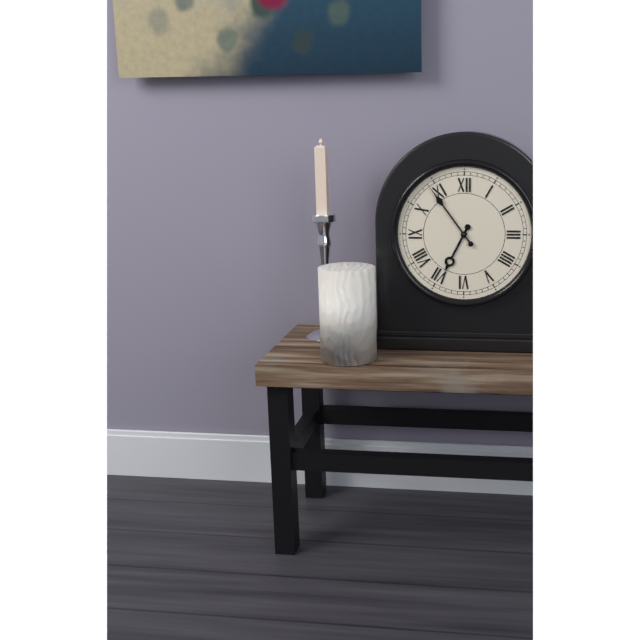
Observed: 6:54
